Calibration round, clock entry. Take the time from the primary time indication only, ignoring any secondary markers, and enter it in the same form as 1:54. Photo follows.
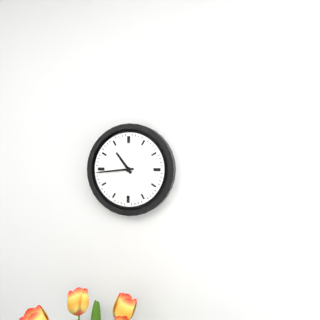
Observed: 10:44
